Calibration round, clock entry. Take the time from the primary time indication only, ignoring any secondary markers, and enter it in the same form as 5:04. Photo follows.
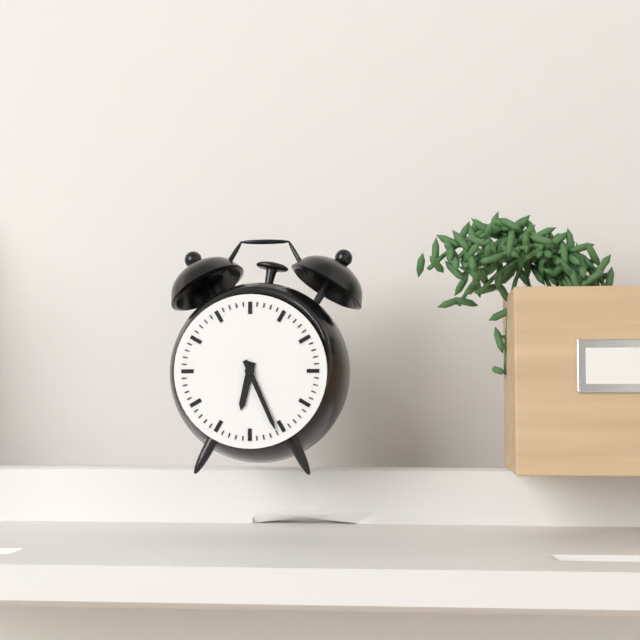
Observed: 6:26
